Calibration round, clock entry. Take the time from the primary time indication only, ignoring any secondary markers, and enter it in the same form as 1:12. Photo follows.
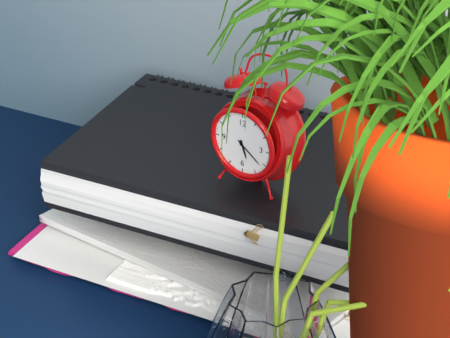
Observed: 5:21
